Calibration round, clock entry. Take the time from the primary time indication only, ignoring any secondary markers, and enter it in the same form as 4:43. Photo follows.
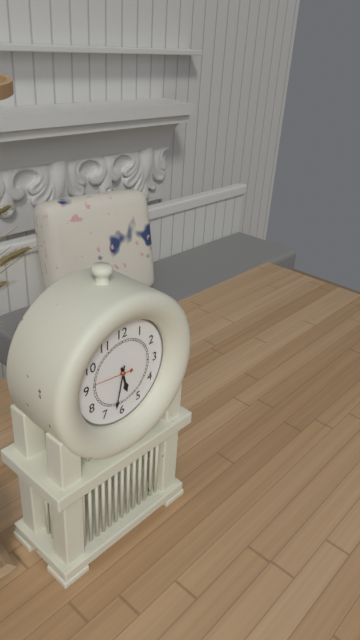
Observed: 5:32
